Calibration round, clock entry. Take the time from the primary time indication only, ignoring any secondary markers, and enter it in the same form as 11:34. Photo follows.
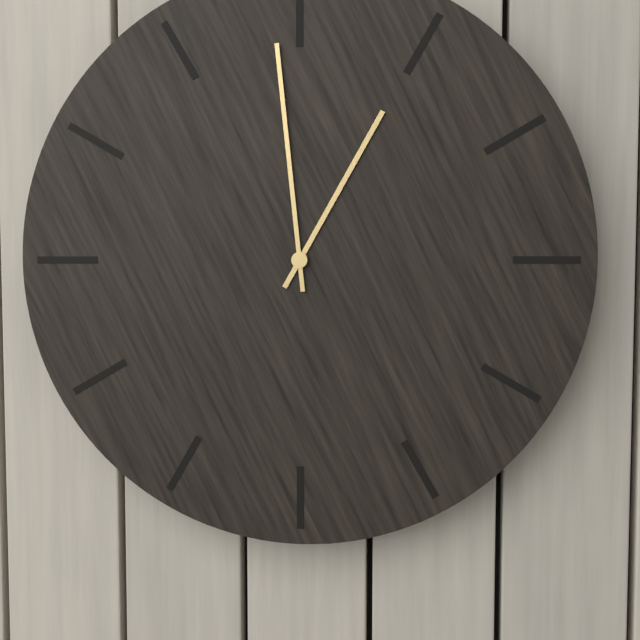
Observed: 12:59
